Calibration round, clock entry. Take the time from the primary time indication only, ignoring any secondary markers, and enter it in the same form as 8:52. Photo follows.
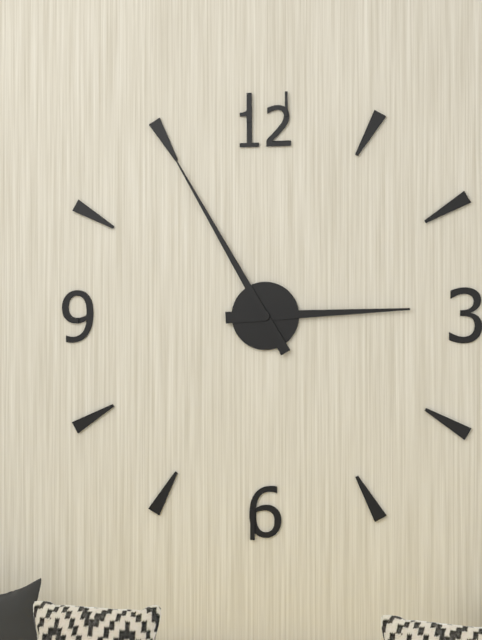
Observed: 2:55
